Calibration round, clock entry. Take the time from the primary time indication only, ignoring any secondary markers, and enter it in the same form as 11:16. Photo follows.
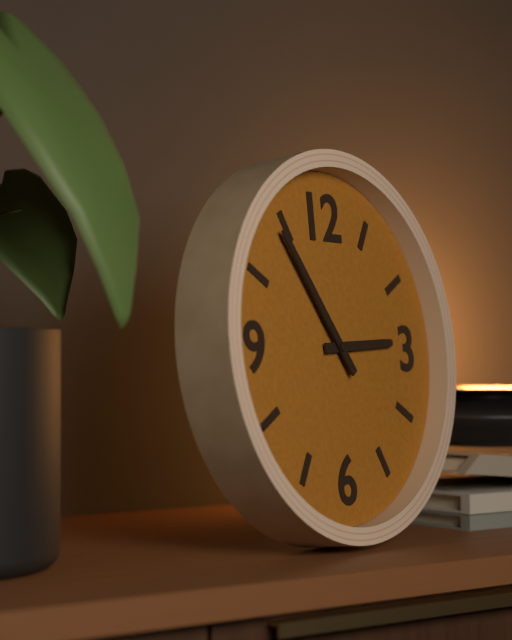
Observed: 2:54
